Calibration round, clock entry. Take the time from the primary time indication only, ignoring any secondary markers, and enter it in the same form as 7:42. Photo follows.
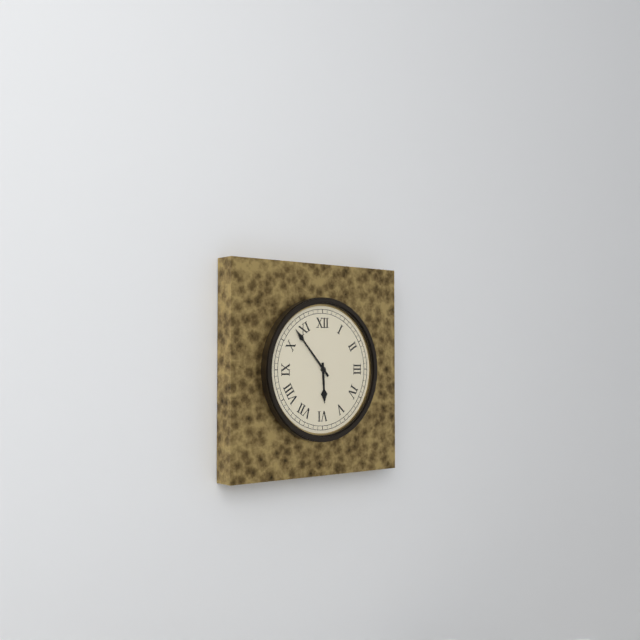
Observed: 5:53
